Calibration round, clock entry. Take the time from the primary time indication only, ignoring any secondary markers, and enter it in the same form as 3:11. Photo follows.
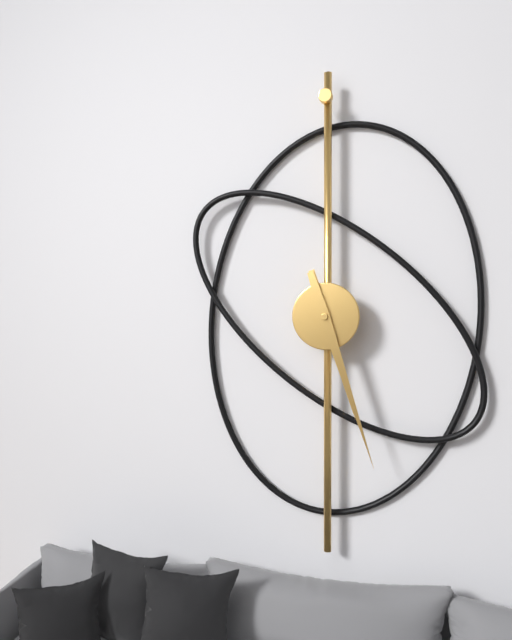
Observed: 5:27
